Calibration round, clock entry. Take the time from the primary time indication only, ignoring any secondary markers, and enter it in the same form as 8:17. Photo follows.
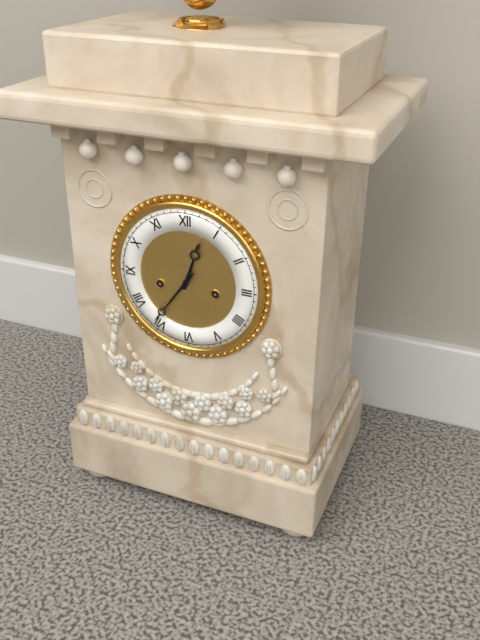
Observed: 12:36
